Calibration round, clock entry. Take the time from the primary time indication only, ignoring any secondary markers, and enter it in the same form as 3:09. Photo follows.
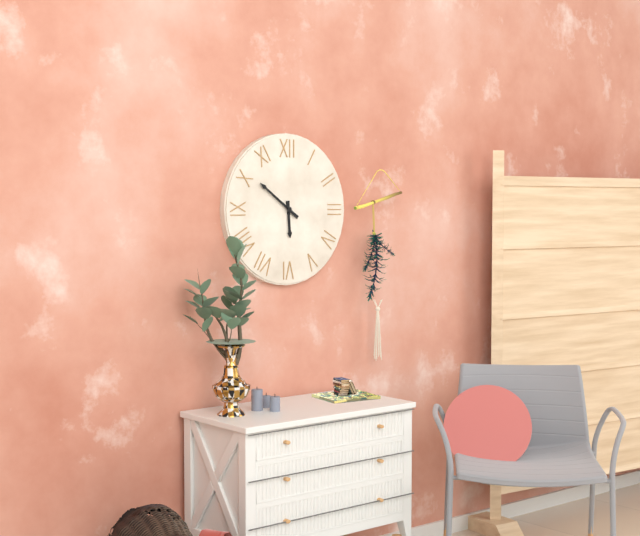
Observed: 5:51
